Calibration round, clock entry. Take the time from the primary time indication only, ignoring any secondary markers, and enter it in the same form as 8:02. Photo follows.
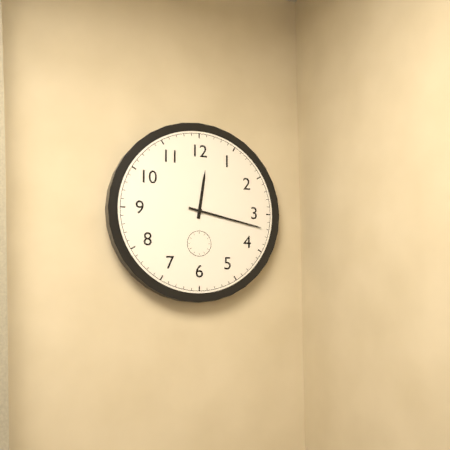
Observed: 12:17
